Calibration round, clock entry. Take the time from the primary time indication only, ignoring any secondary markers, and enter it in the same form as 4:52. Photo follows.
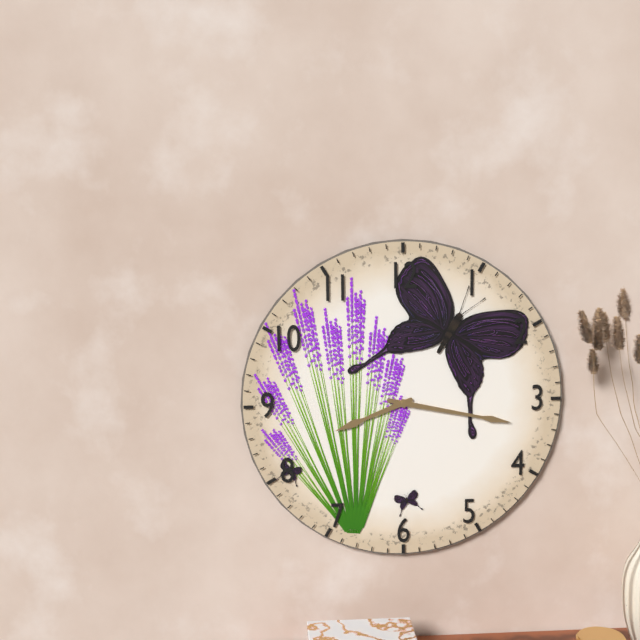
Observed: 8:17
